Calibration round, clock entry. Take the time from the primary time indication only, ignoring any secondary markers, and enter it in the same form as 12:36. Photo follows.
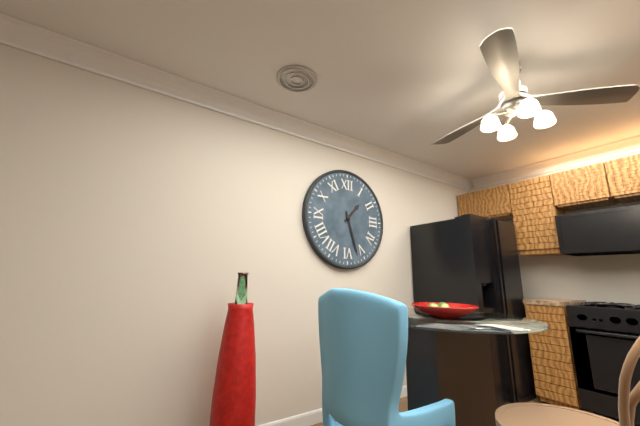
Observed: 1:27
